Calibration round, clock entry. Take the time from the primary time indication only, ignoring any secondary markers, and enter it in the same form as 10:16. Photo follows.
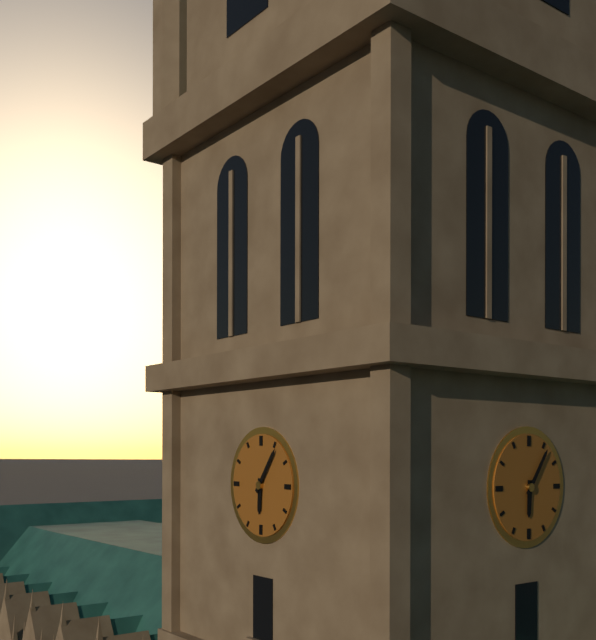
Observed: 6:06
